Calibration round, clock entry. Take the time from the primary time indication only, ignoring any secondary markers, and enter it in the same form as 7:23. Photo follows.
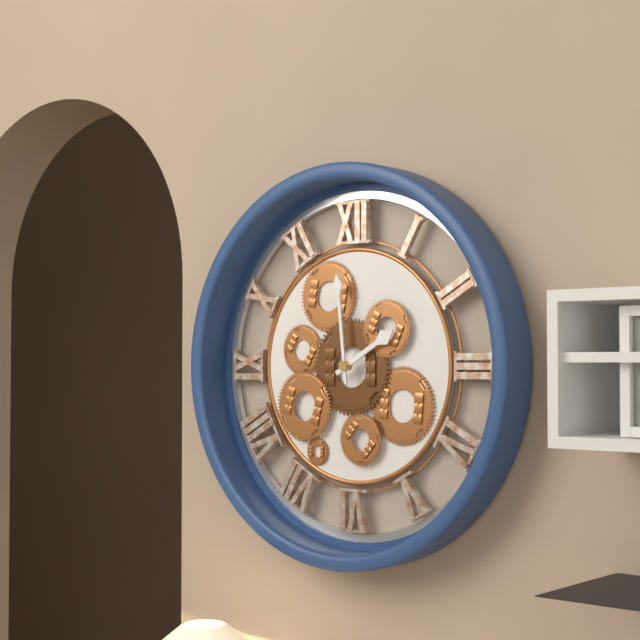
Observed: 1:59
